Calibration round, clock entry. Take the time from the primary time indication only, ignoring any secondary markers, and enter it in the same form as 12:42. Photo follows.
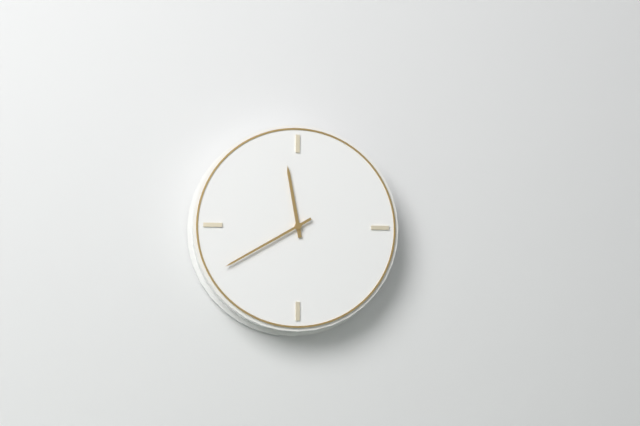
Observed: 11:40
